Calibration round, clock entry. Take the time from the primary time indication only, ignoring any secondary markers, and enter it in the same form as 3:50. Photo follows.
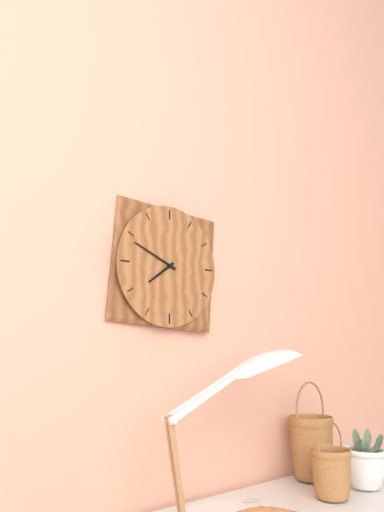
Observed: 7:49
